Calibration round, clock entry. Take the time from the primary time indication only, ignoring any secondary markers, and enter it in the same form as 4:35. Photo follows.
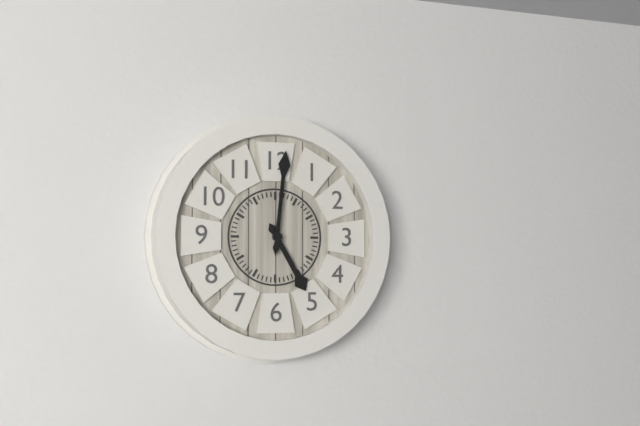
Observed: 5:01
